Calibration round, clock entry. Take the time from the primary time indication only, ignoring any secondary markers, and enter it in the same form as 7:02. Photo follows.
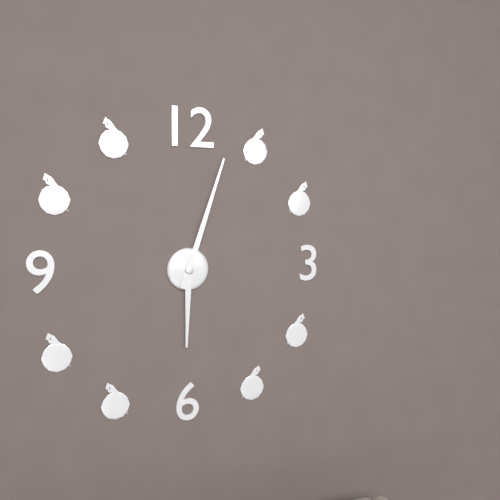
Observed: 6:03
